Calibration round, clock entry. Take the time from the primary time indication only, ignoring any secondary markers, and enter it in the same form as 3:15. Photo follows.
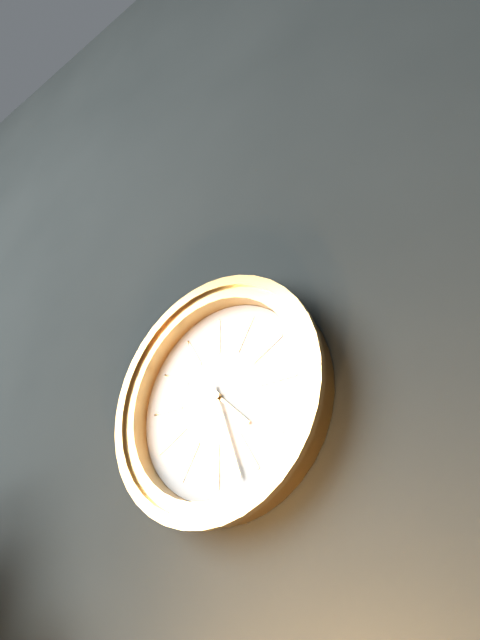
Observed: 4:27
